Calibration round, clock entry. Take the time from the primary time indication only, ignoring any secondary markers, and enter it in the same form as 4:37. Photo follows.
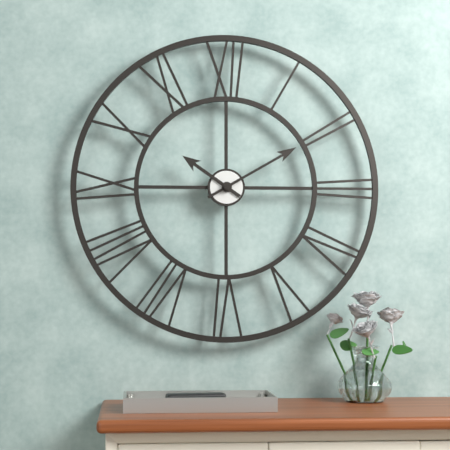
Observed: 10:10
